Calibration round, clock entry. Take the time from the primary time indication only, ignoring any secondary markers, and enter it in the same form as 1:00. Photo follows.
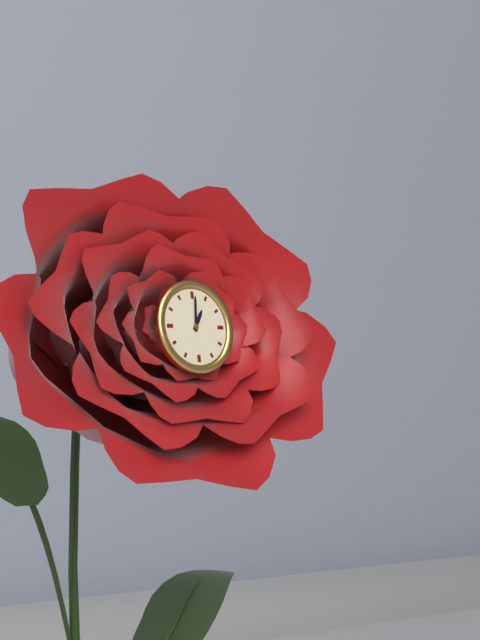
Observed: 1:01
